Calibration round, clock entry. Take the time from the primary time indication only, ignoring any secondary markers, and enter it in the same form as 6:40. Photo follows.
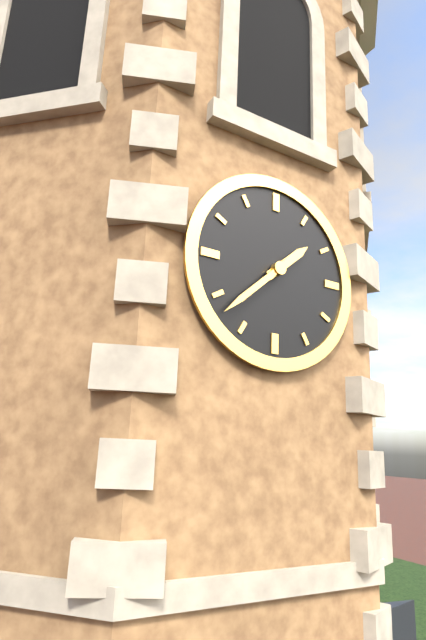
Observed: 1:38
